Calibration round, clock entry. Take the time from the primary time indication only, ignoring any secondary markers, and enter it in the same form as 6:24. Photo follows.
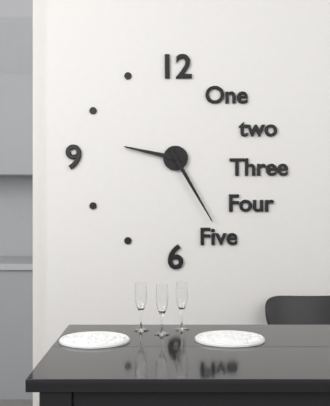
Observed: 9:25
